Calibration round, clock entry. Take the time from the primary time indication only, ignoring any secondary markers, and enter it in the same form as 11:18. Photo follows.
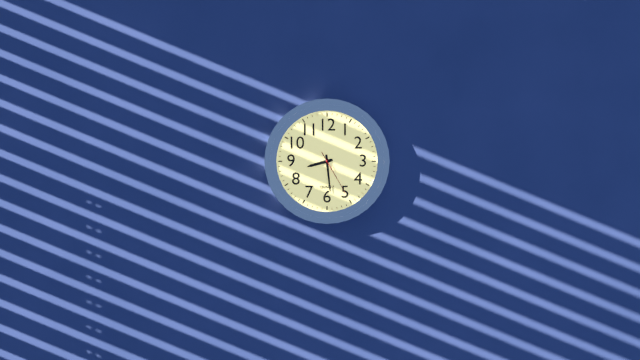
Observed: 8:29
